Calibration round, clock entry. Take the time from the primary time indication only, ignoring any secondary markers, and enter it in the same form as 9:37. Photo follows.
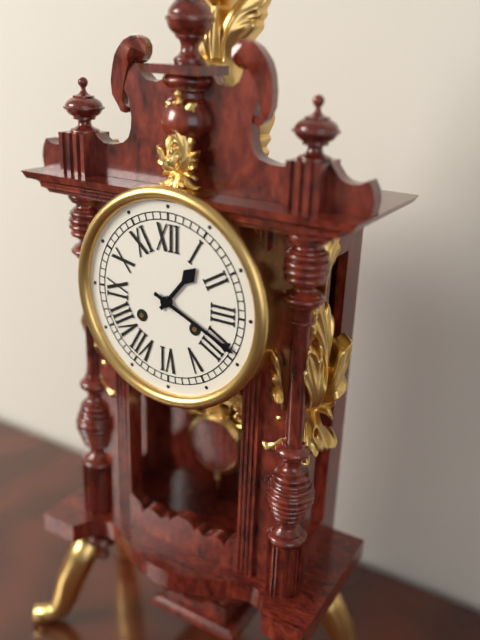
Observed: 1:19
